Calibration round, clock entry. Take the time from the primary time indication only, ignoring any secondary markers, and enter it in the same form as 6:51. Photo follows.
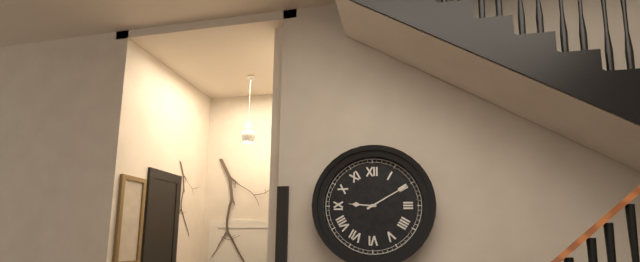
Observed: 9:10
